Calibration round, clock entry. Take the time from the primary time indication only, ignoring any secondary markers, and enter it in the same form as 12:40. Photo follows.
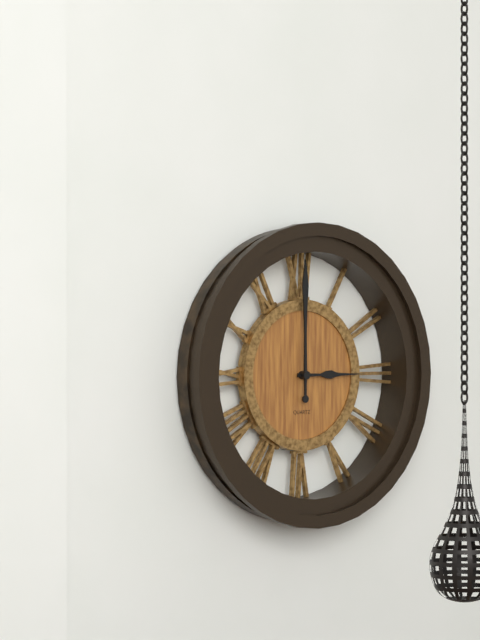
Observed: 3:00
